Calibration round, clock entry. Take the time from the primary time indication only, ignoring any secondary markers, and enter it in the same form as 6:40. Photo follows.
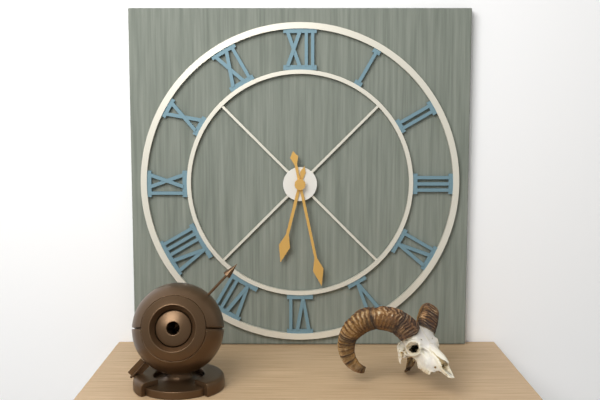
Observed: 6:28
